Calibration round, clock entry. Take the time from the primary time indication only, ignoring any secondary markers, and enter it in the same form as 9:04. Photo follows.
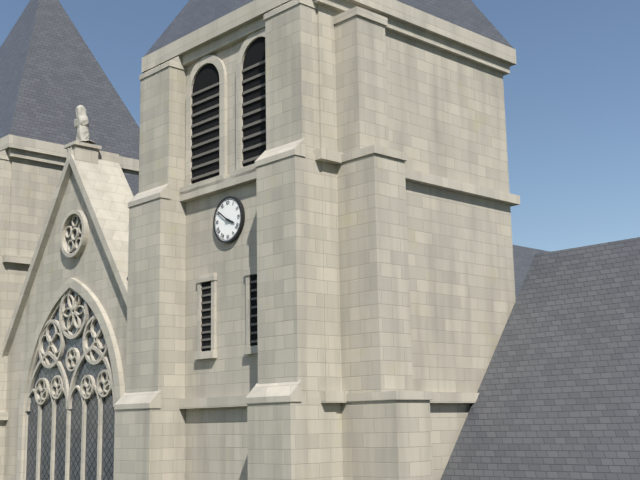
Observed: 3:51
